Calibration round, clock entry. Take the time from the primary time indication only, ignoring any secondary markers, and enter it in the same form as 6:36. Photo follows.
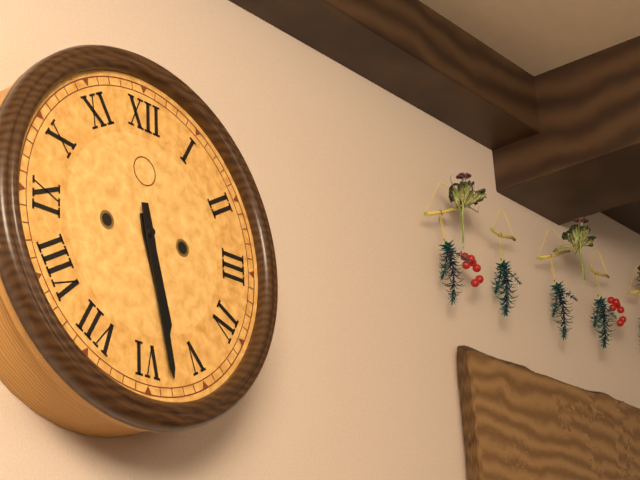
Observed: 5:28
